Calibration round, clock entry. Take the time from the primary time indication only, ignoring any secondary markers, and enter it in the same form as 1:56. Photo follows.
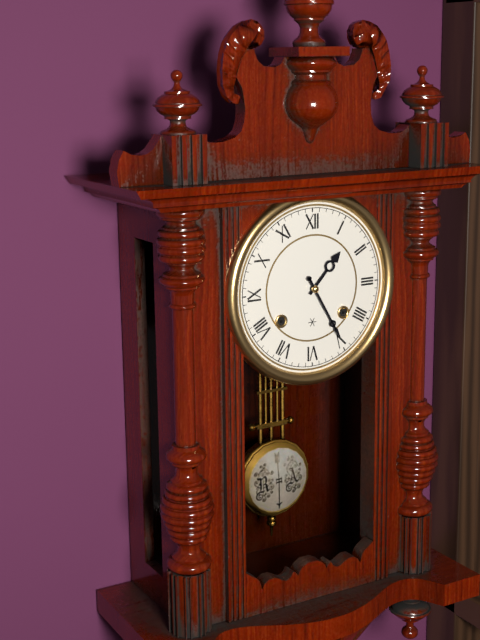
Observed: 1:25
